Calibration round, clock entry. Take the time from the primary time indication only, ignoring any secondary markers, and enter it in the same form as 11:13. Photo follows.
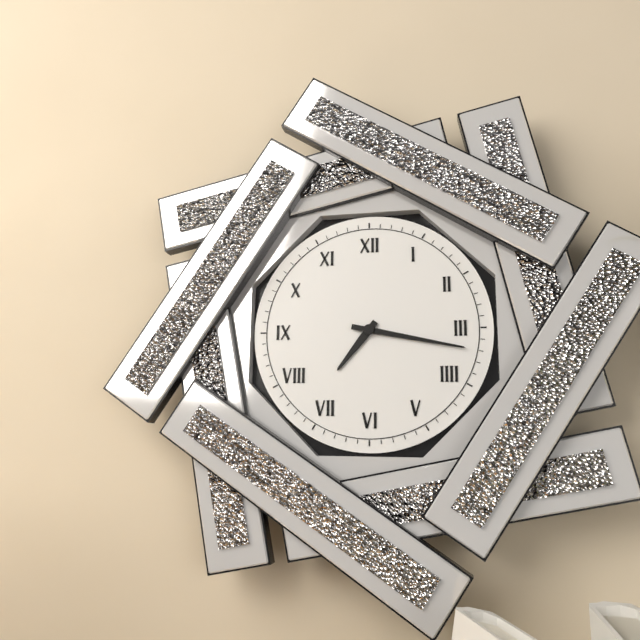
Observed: 7:17
